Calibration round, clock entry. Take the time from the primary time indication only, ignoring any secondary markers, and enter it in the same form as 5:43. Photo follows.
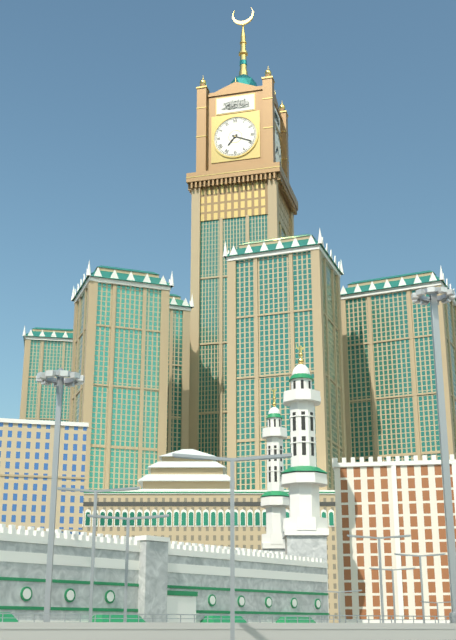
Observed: 7:19
